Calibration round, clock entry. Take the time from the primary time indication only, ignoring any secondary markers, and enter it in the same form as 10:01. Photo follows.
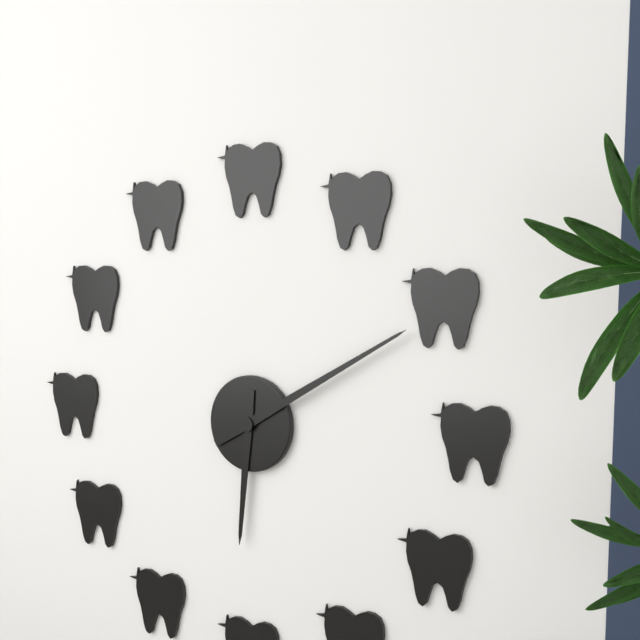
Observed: 6:10
